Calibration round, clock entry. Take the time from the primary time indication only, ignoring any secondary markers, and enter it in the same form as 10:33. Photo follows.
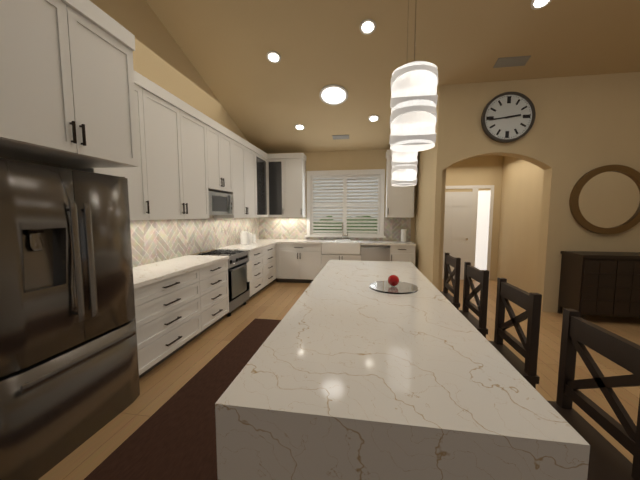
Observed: 2:44
